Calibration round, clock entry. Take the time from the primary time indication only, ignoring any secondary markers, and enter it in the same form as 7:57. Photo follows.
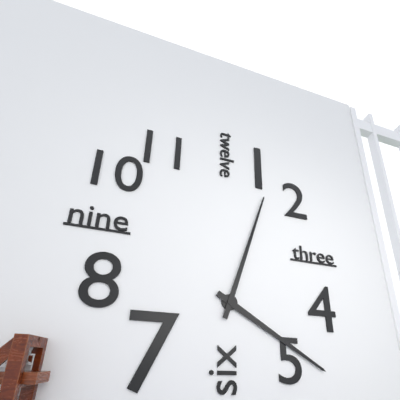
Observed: 4:03
